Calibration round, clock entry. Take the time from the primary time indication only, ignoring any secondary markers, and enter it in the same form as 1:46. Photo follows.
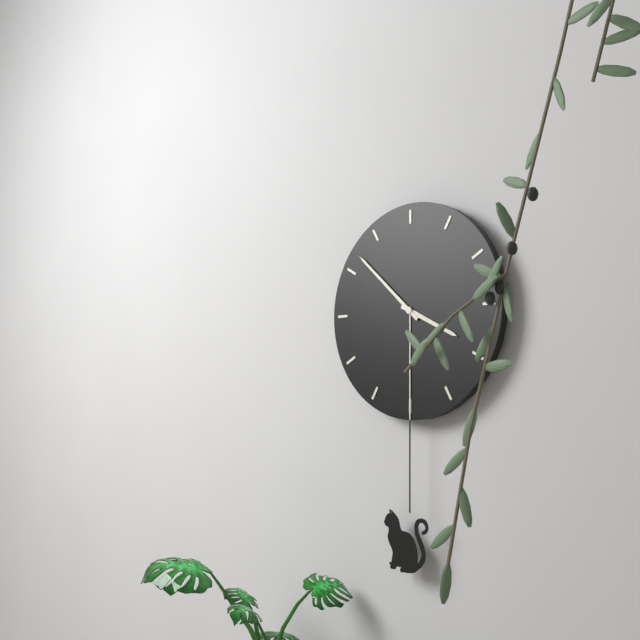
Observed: 3:52
